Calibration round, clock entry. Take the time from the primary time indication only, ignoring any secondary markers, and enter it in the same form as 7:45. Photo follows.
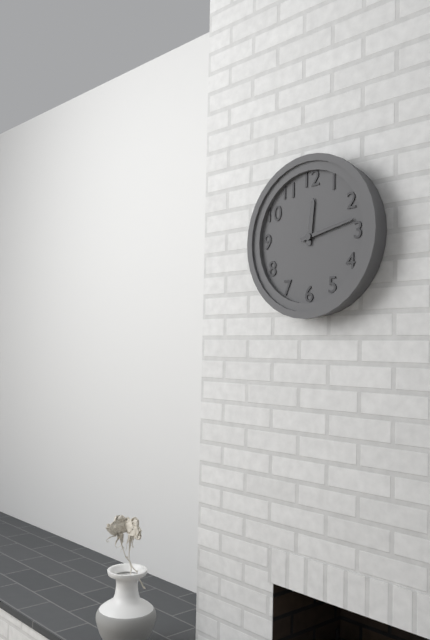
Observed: 12:13
